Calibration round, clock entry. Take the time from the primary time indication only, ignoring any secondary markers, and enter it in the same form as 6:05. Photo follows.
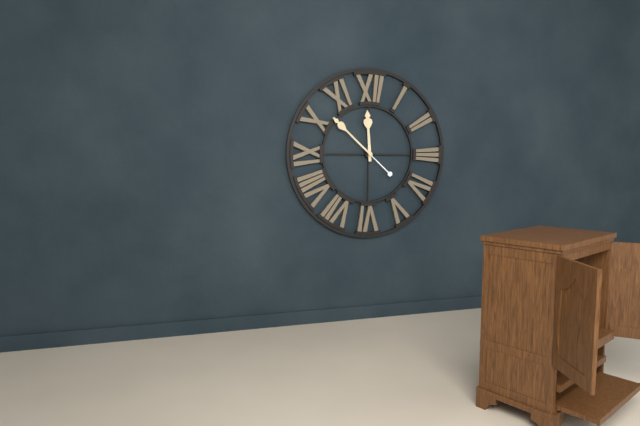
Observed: 11:52
